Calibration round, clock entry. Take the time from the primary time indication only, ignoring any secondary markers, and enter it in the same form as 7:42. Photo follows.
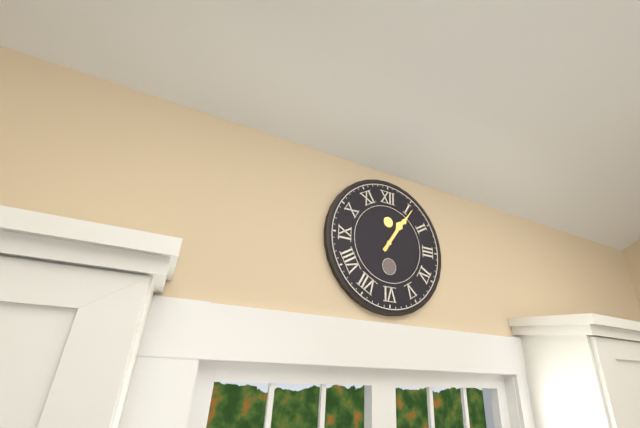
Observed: 1:06
